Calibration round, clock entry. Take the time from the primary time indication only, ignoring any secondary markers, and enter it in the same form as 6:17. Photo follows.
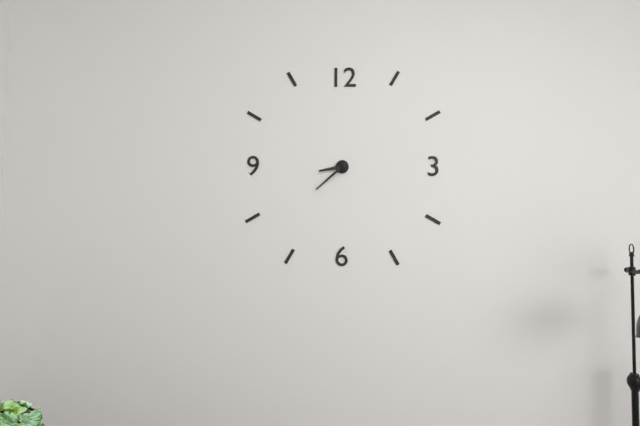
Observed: 8:38
